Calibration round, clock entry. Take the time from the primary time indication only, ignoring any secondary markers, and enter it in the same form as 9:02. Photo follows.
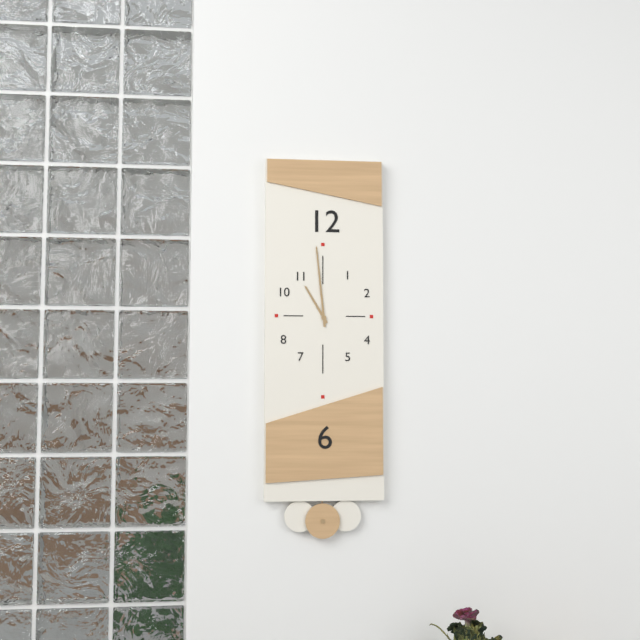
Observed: 10:59
